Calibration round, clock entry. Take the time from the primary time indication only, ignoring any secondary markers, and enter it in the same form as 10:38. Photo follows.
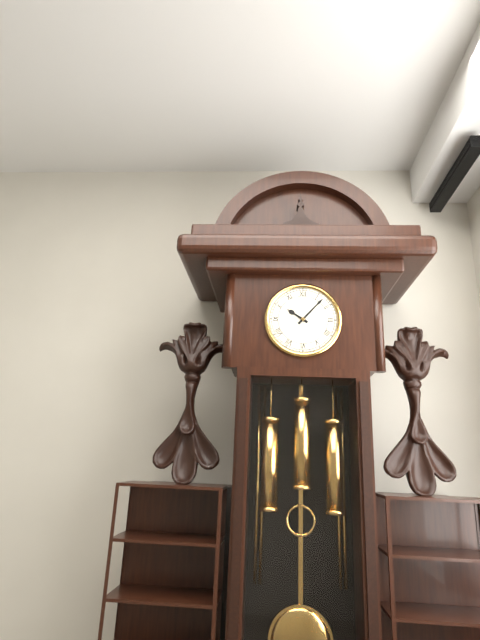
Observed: 10:07
